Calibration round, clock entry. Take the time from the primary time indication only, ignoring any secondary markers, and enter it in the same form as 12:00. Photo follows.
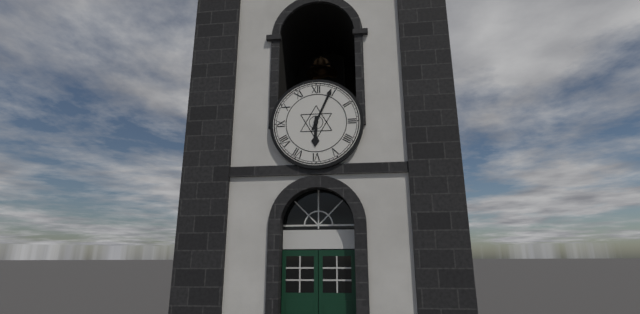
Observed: 6:04
